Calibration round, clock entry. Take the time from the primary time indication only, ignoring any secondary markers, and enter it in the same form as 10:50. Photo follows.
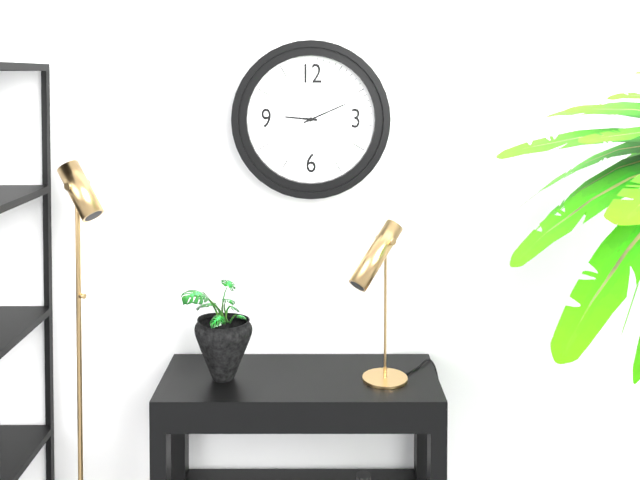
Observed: 9:11
